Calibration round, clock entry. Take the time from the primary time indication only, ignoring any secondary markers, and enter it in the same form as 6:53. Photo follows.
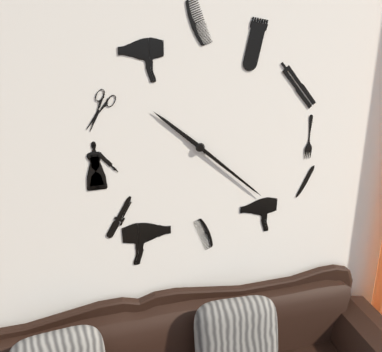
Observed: 10:22
